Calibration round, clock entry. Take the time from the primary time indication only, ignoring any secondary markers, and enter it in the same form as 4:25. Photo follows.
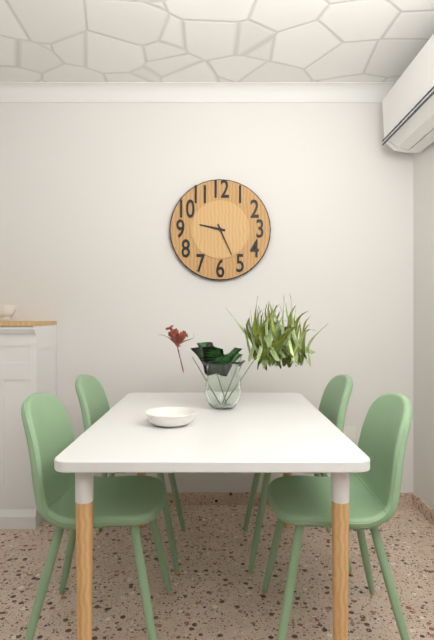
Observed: 9:26
